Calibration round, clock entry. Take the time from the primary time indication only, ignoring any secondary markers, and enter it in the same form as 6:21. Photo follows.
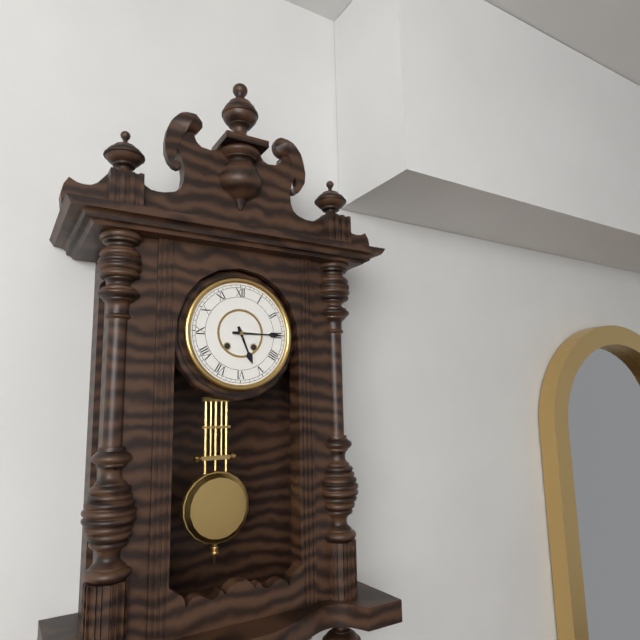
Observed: 5:15
